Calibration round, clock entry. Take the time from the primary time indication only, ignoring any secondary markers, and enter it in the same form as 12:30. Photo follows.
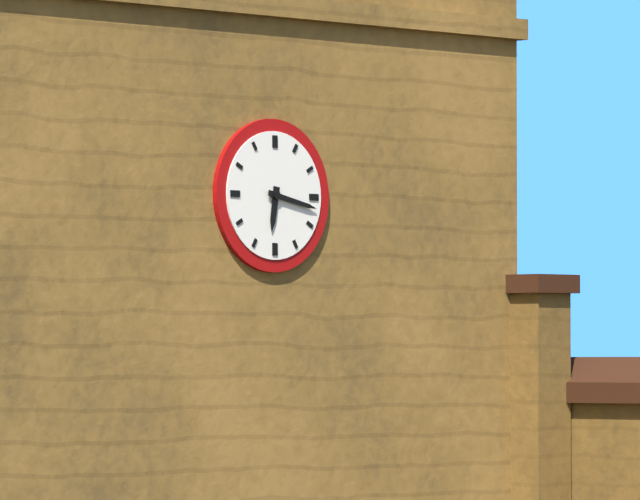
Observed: 6:17
